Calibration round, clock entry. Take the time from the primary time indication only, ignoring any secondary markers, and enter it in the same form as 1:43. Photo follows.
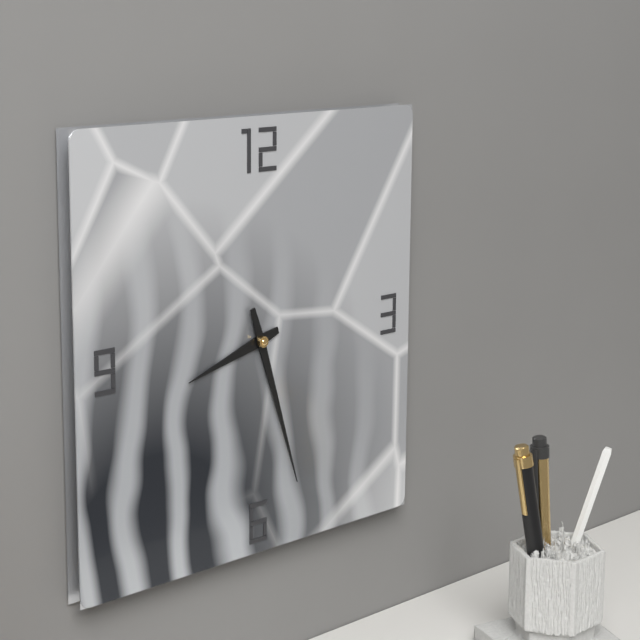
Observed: 8:27
